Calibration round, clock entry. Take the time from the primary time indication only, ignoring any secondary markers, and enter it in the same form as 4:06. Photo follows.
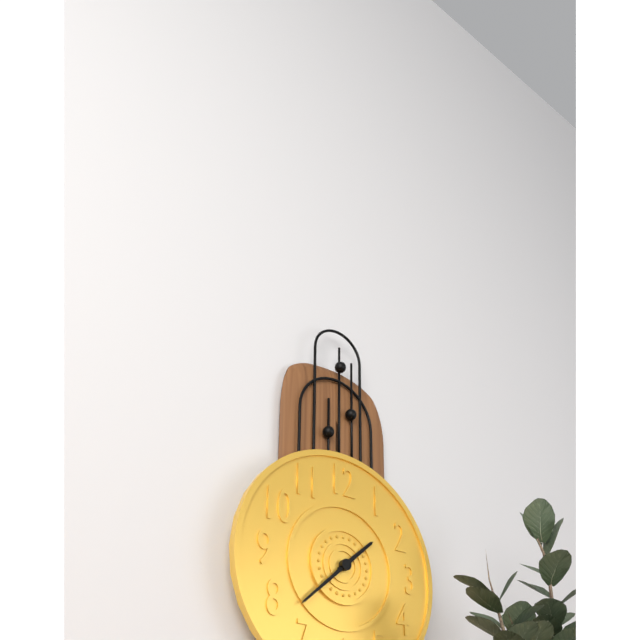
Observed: 1:38
